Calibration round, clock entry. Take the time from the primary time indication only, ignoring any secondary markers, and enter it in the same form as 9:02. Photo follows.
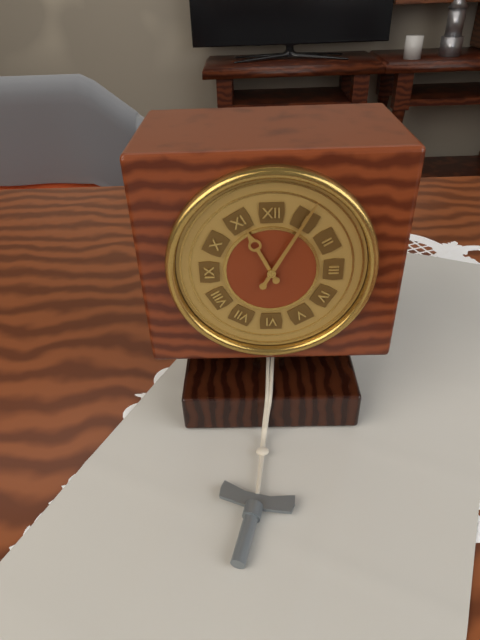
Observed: 11:05
